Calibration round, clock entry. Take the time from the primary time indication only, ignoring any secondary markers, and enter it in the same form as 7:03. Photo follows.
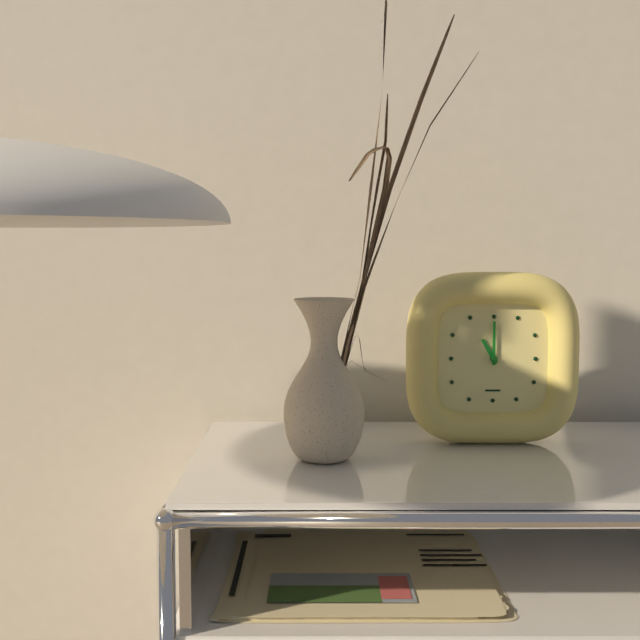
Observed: 11:00
